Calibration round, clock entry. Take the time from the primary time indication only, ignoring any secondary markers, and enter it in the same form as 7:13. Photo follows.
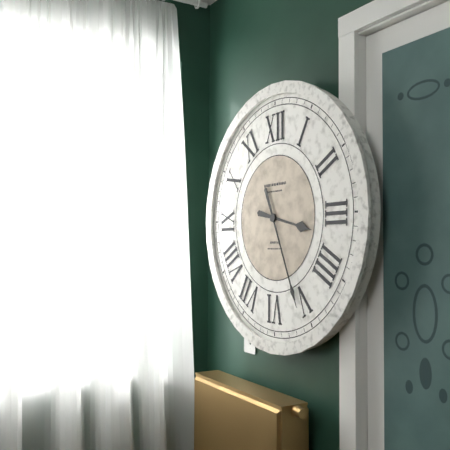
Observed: 3:26
